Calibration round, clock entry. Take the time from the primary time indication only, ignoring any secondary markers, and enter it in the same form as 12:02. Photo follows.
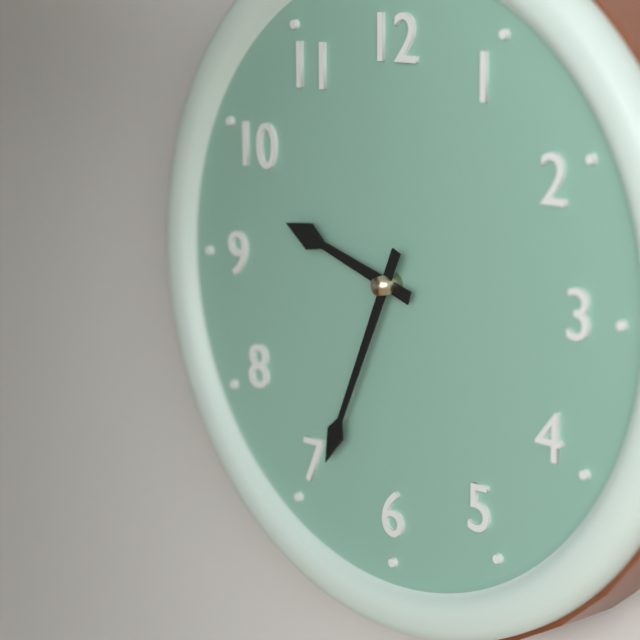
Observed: 9:34
